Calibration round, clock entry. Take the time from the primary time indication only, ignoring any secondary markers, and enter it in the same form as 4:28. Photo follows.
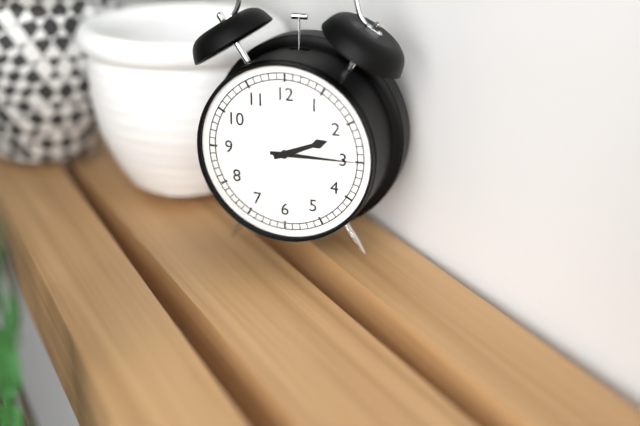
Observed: 2:15
